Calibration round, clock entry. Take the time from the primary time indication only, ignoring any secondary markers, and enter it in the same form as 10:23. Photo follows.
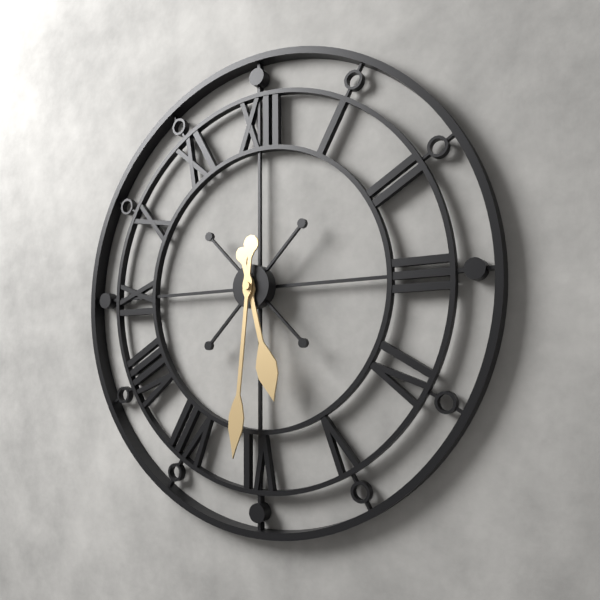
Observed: 5:31
